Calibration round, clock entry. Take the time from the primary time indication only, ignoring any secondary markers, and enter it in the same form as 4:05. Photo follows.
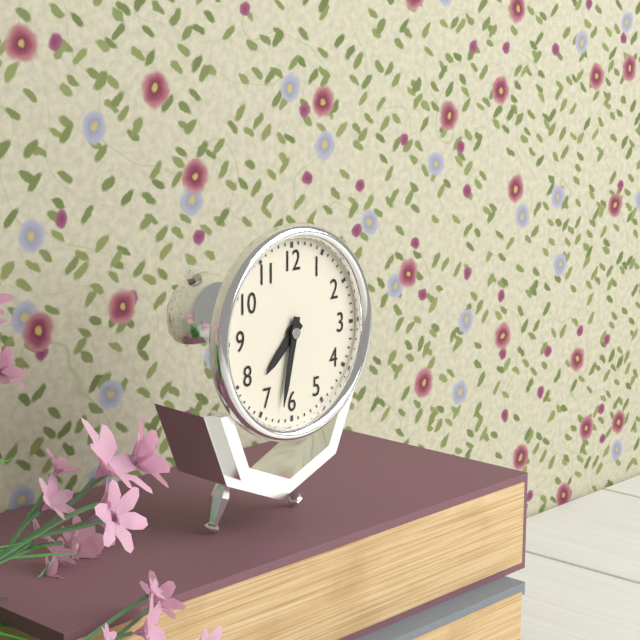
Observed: 7:32
